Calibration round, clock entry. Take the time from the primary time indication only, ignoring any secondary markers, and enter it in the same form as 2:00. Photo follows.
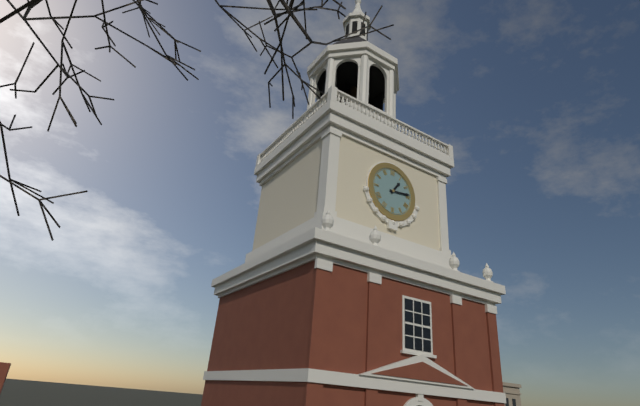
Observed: 1:14
